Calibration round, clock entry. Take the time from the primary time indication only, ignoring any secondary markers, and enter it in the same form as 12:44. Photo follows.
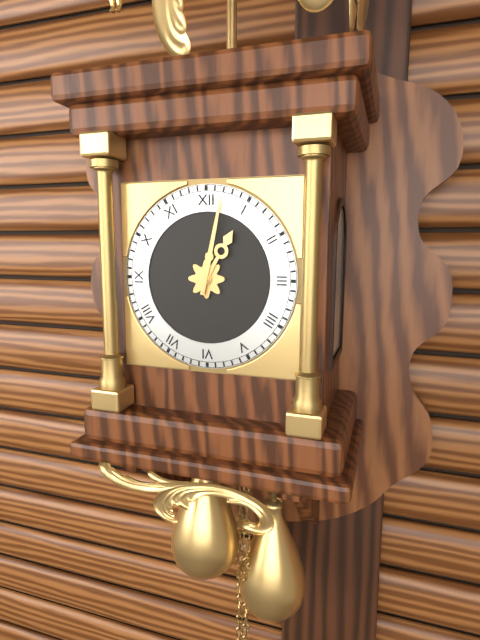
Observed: 1:02
